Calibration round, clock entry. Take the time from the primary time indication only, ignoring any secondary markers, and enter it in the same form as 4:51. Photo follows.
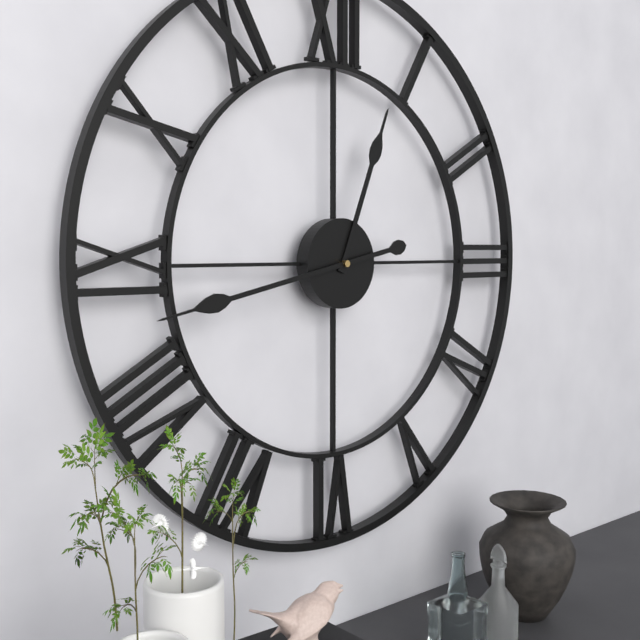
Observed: 12:43
